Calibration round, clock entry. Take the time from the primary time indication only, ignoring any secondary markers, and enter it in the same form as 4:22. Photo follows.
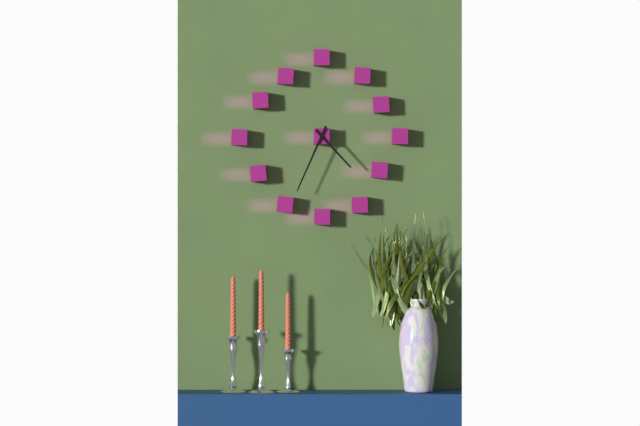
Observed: 4:34
